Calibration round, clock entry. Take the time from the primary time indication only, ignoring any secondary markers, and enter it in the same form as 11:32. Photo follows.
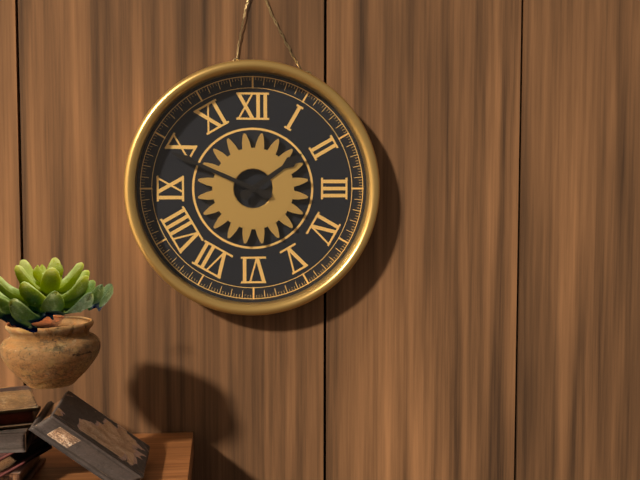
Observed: 1:49
